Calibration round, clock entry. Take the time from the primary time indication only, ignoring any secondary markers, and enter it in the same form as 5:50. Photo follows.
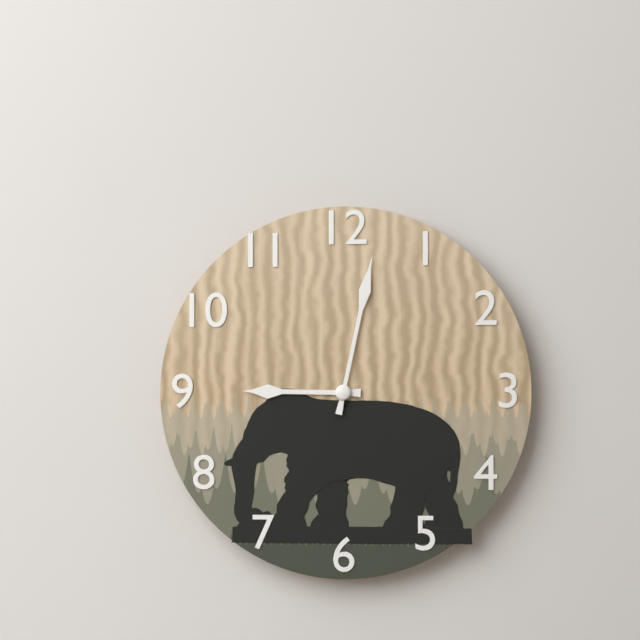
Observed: 9:02
